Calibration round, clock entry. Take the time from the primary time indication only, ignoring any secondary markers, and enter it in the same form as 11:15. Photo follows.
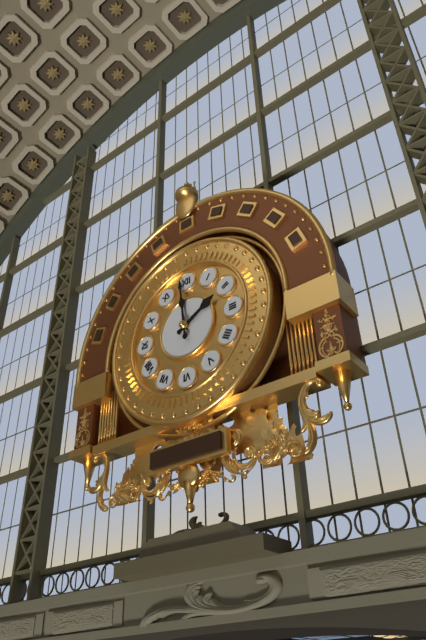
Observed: 1:59
